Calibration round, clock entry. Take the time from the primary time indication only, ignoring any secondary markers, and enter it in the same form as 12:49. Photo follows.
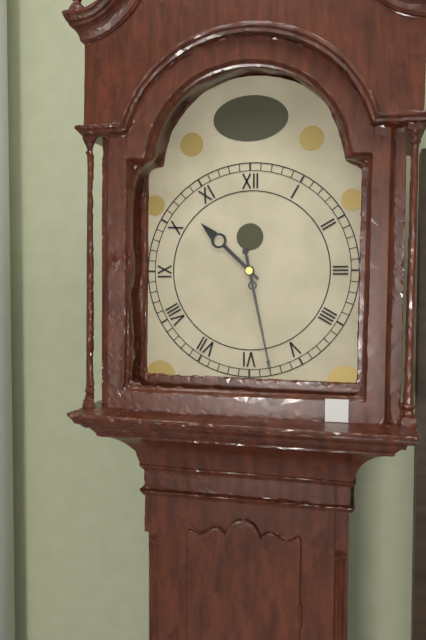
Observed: 10:28
